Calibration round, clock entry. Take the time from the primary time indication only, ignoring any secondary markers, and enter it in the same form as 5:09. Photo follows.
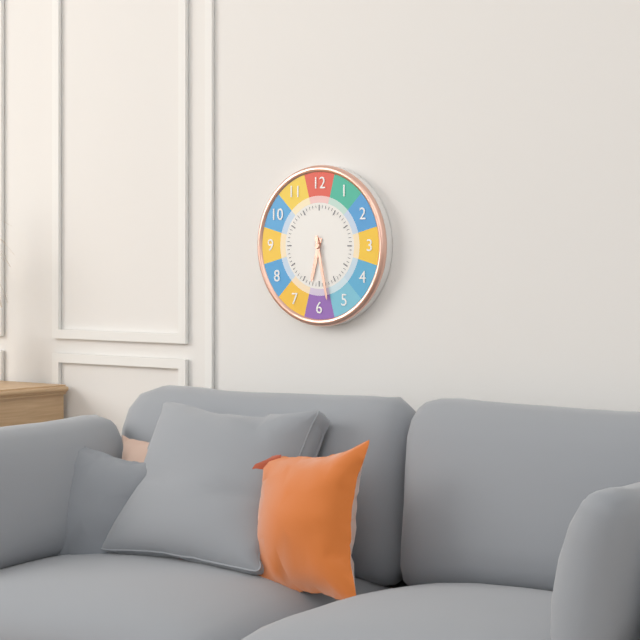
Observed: 6:28
